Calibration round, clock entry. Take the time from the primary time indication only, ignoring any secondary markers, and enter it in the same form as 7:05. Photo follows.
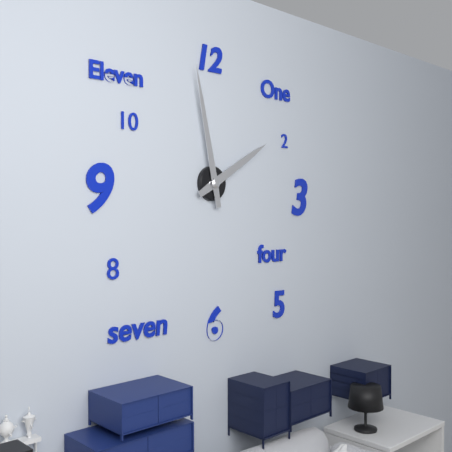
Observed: 1:58
